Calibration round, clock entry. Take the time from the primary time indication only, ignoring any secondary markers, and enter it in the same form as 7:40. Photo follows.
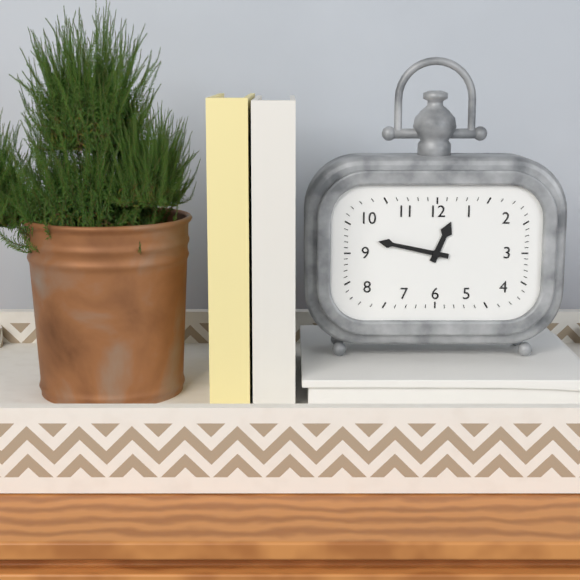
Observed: 12:47
